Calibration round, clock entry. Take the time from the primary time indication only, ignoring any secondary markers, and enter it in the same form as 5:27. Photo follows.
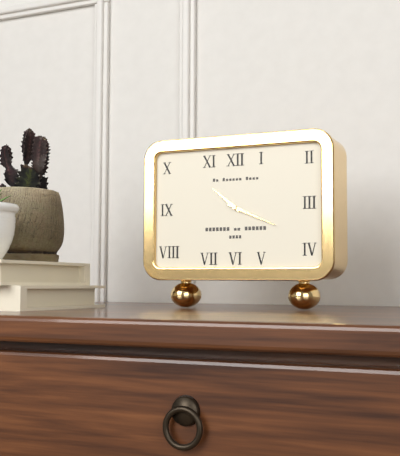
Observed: 10:19
